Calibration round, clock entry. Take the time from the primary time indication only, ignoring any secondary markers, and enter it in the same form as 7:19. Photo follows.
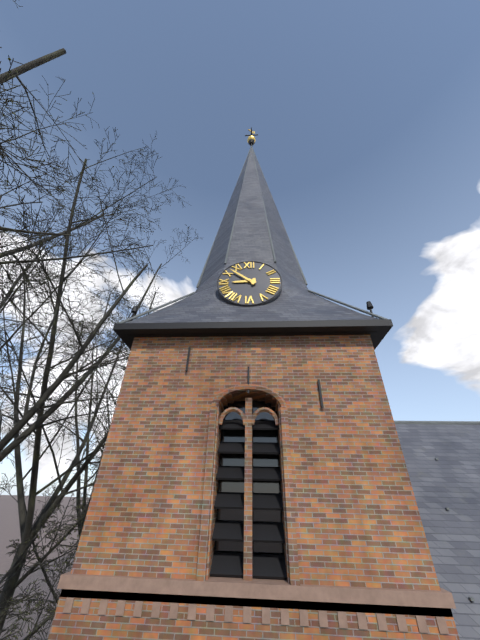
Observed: 8:52
